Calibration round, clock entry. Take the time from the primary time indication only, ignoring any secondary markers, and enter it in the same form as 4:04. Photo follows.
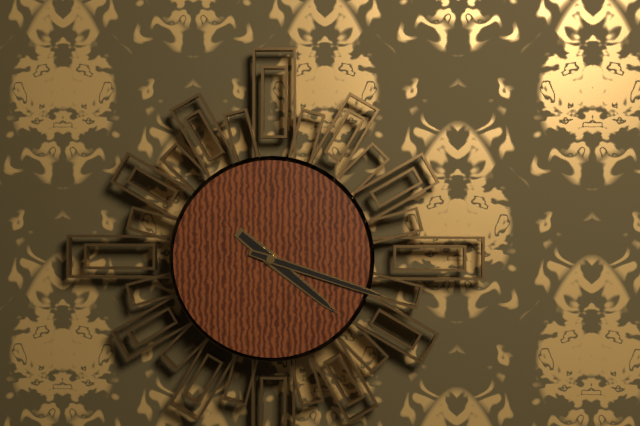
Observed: 4:18
